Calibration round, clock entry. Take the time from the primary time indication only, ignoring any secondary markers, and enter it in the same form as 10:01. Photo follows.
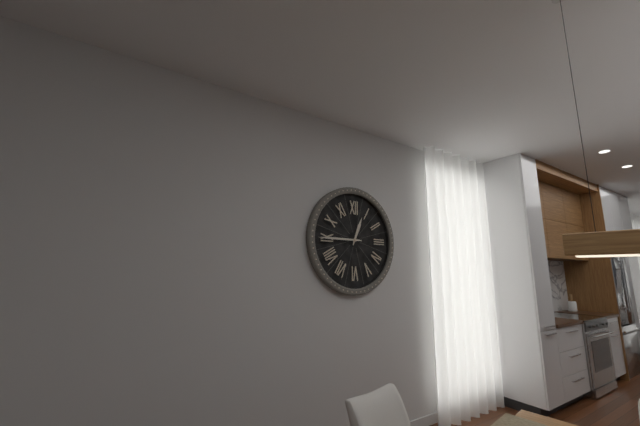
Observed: 12:45
